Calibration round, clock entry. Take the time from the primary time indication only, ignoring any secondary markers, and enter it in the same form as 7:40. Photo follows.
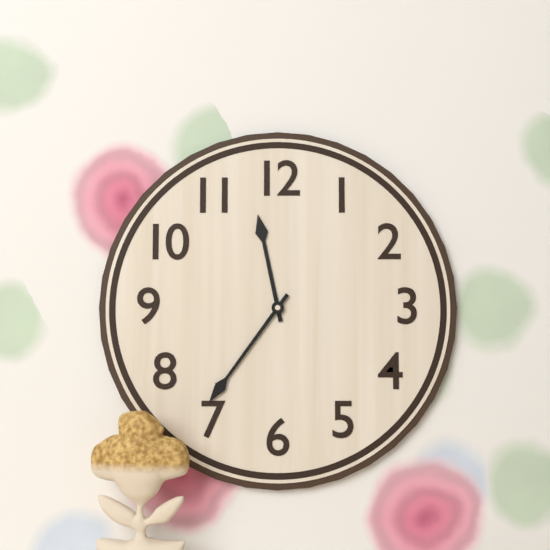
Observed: 11:36
